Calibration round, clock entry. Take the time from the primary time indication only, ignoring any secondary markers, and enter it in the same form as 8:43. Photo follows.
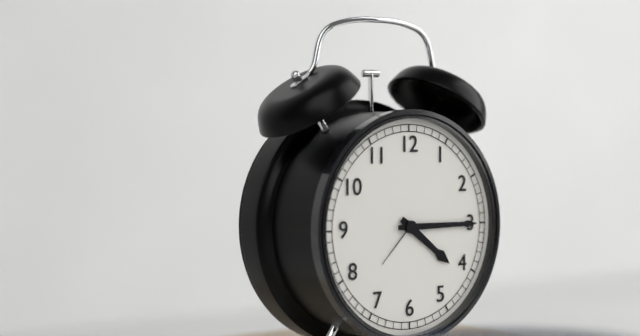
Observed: 4:15
